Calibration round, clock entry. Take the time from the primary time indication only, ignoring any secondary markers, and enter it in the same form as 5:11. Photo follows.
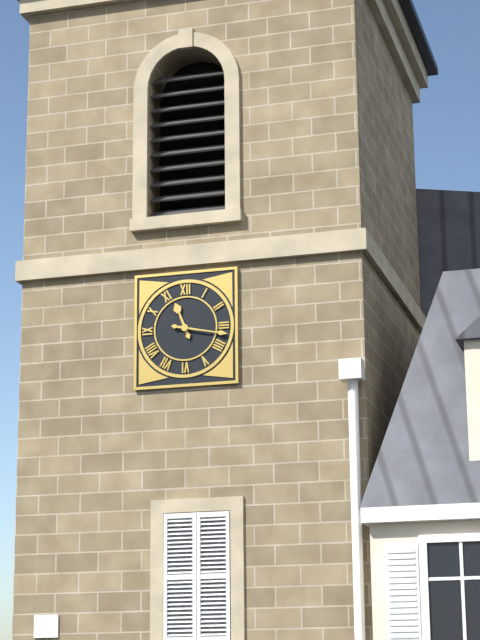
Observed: 11:17
